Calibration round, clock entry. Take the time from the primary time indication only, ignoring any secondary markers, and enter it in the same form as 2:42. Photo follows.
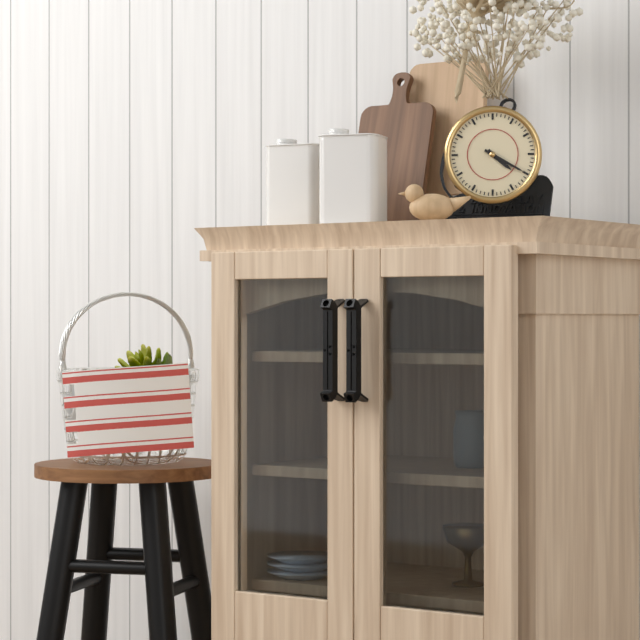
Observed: 4:20
